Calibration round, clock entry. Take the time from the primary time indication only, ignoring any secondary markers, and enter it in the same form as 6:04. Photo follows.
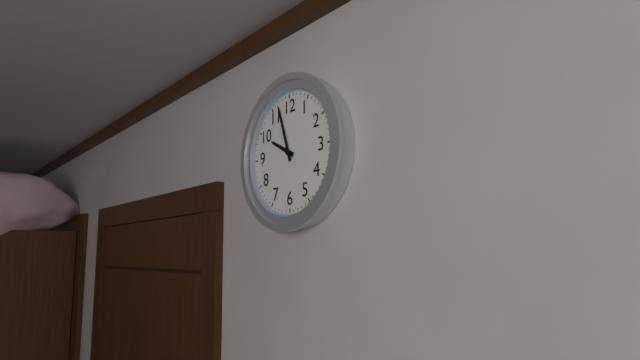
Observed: 9:57
